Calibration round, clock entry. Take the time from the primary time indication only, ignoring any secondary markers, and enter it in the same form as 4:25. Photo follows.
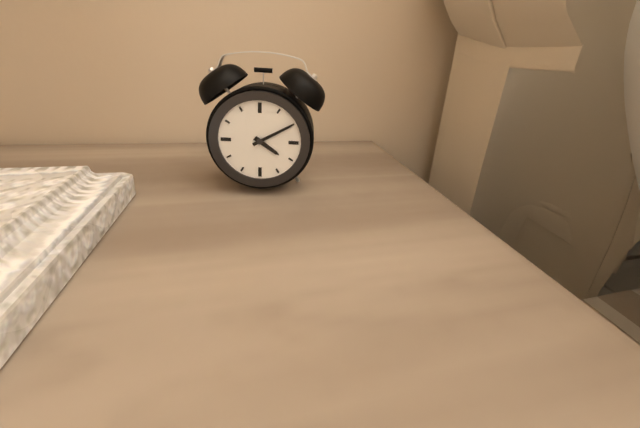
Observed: 4:10
